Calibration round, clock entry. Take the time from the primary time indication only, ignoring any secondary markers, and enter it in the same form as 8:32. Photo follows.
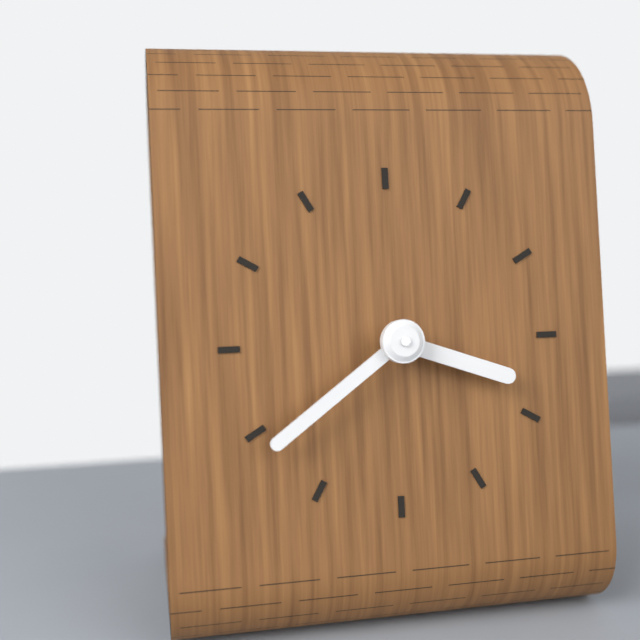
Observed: 3:39
